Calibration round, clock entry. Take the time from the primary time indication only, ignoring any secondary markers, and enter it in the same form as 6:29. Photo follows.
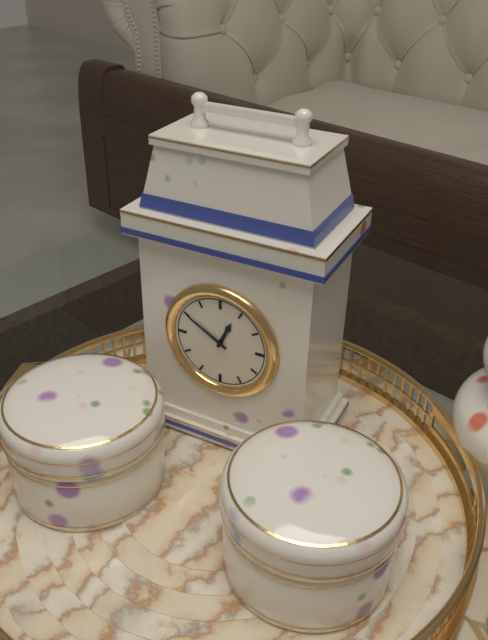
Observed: 12:50
